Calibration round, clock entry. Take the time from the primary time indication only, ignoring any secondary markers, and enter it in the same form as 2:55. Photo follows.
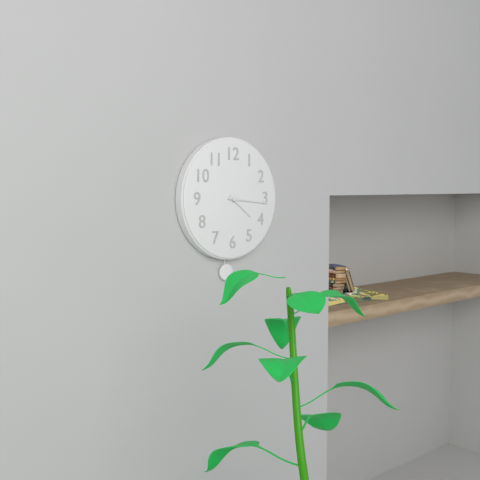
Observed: 4:16
